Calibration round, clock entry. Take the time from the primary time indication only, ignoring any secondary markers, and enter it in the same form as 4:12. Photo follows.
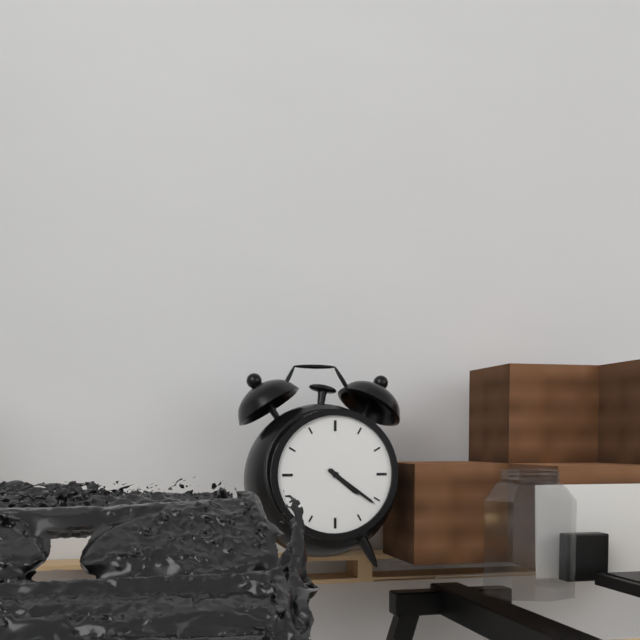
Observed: 4:21
